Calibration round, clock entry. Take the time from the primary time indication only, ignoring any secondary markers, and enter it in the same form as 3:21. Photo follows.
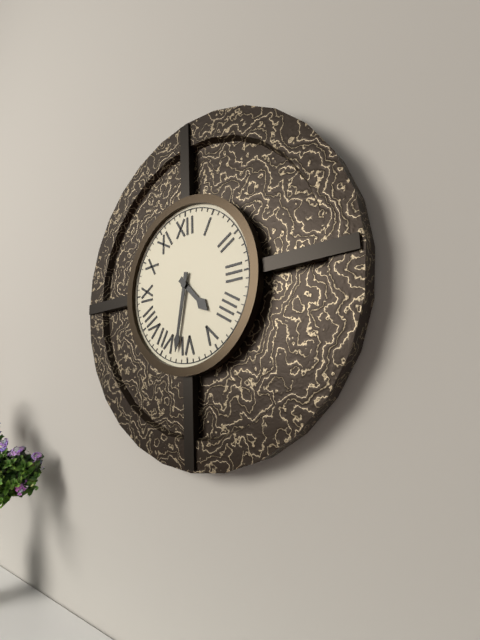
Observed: 4:32
